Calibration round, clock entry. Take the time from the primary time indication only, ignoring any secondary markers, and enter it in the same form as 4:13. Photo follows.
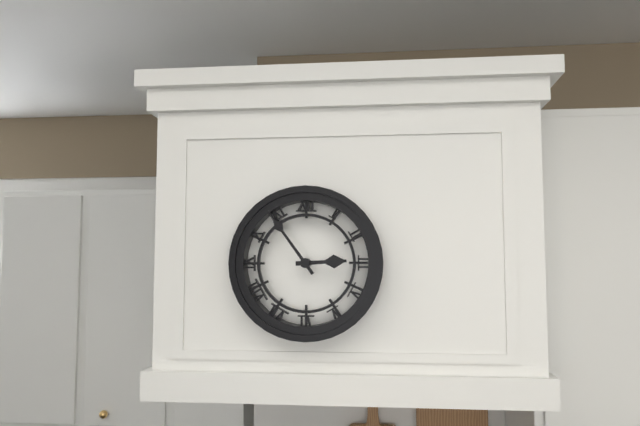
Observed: 2:54
